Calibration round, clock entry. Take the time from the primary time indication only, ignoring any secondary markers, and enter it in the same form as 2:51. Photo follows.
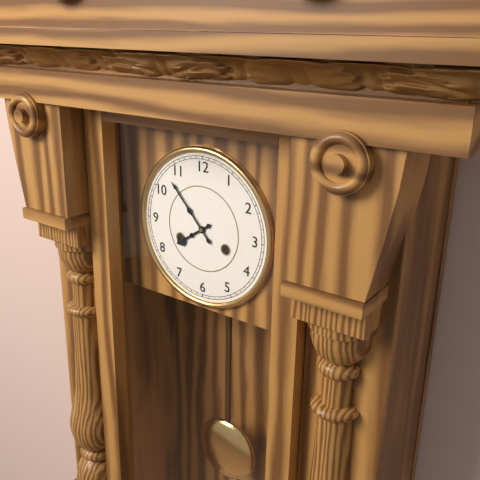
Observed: 7:53
